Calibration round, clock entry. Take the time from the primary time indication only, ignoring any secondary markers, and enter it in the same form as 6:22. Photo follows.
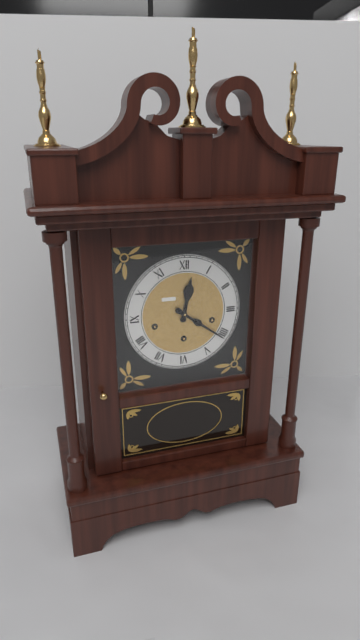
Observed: 12:21
